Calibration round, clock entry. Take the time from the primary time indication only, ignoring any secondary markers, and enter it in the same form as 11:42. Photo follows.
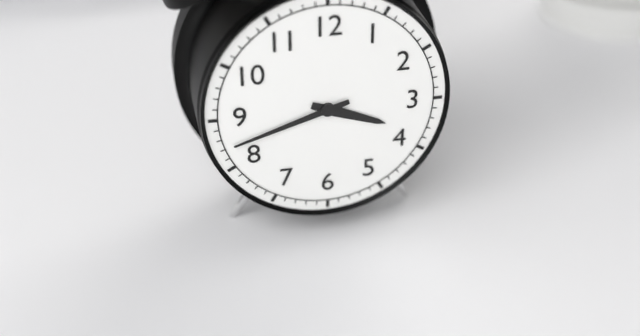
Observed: 3:42
